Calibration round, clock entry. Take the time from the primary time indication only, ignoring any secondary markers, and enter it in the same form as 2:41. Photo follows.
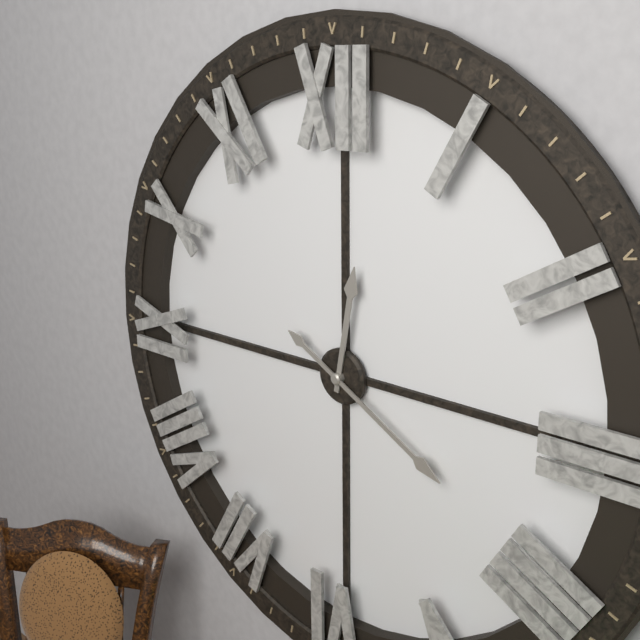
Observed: 12:20
